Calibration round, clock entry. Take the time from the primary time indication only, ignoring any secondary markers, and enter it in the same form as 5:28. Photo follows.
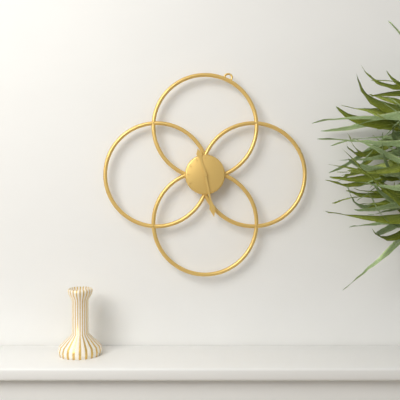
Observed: 11:28
